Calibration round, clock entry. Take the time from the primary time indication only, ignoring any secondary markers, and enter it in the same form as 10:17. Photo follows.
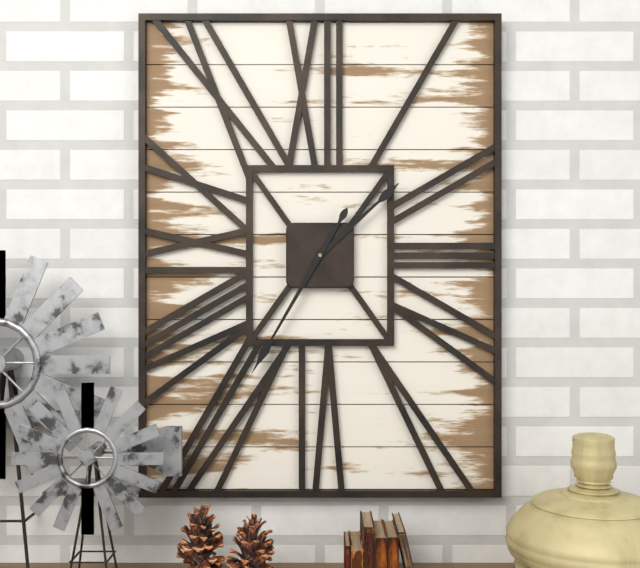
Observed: 1:35
